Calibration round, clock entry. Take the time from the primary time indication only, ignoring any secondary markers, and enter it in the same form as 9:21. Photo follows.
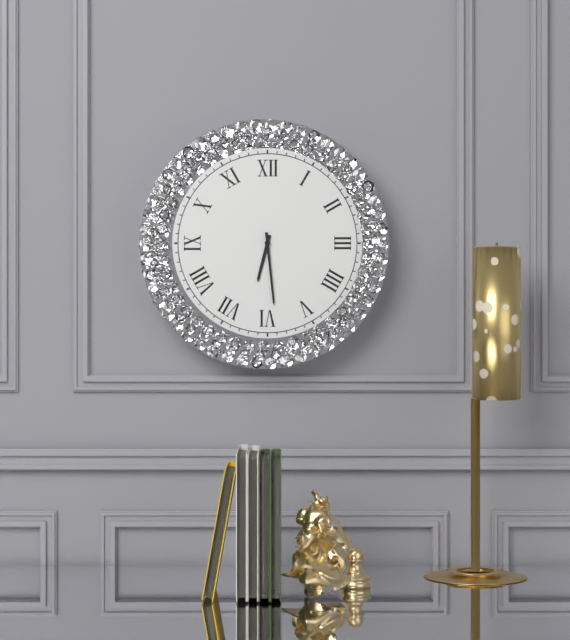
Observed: 6:29
